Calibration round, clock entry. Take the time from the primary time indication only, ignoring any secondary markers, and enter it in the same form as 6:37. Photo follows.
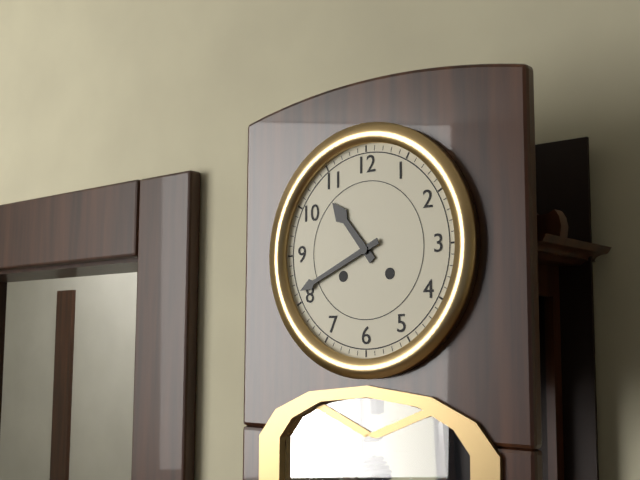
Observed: 10:41
